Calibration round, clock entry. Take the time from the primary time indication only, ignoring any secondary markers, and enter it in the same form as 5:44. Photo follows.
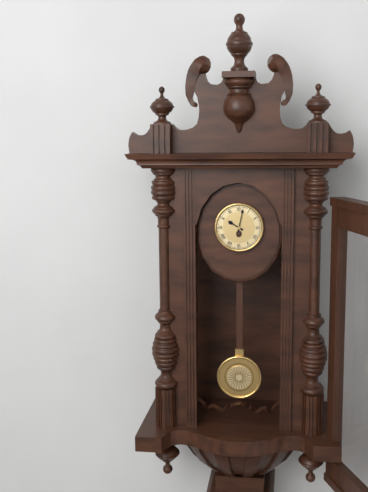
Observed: 10:02
